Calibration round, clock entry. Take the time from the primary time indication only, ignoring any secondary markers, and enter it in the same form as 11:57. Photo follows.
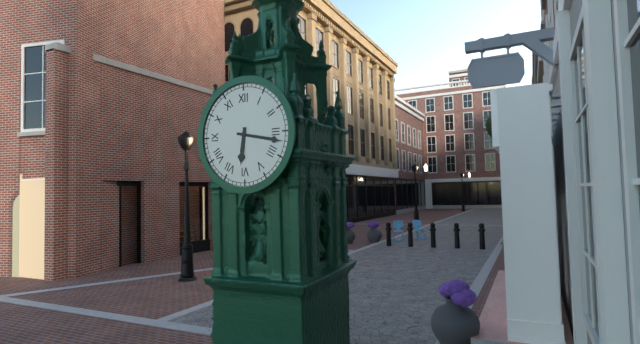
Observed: 6:17
